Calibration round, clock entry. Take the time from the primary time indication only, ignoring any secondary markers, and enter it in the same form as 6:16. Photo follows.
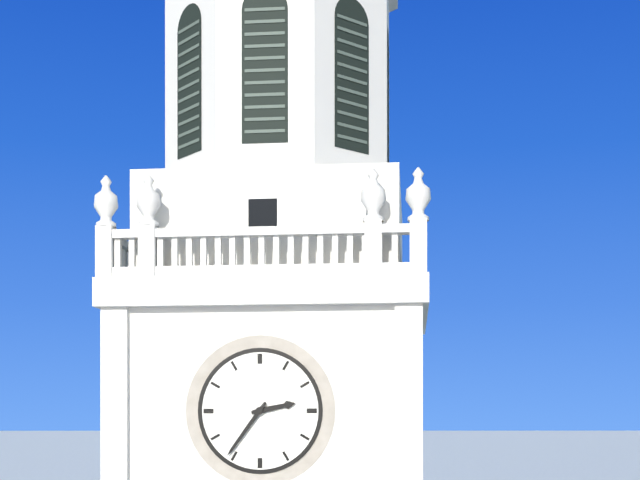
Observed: 2:36
